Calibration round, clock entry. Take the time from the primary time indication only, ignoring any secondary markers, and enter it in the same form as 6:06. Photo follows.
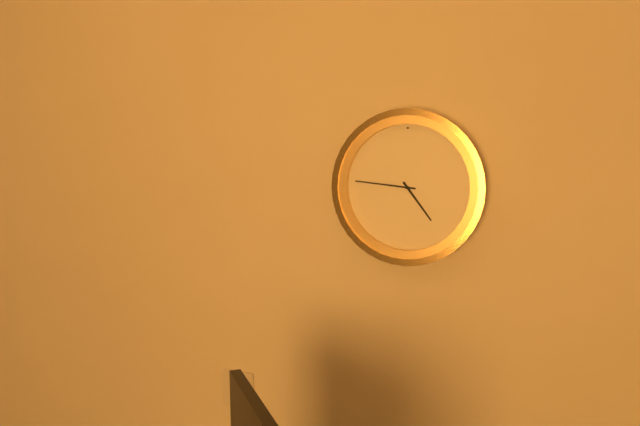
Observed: 4:46
